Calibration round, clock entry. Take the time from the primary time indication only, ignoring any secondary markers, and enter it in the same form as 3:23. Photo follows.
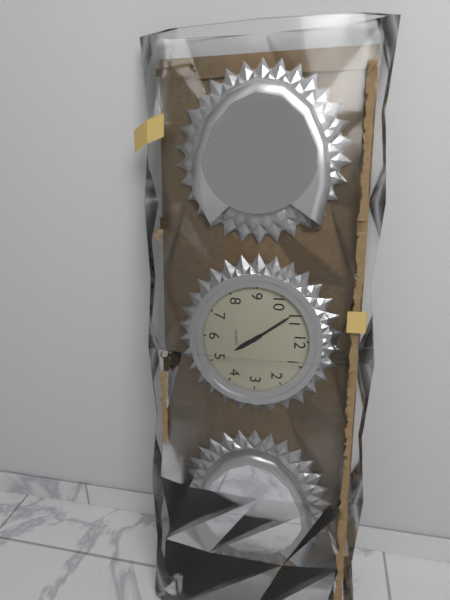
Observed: 4:54
